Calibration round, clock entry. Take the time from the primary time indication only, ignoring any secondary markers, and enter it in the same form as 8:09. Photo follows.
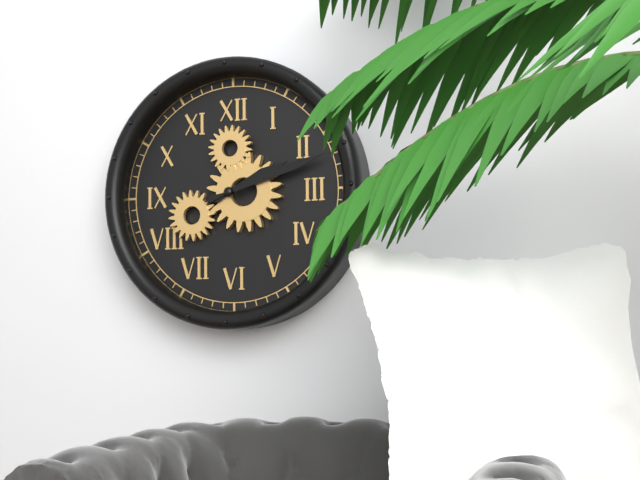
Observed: 2:12
